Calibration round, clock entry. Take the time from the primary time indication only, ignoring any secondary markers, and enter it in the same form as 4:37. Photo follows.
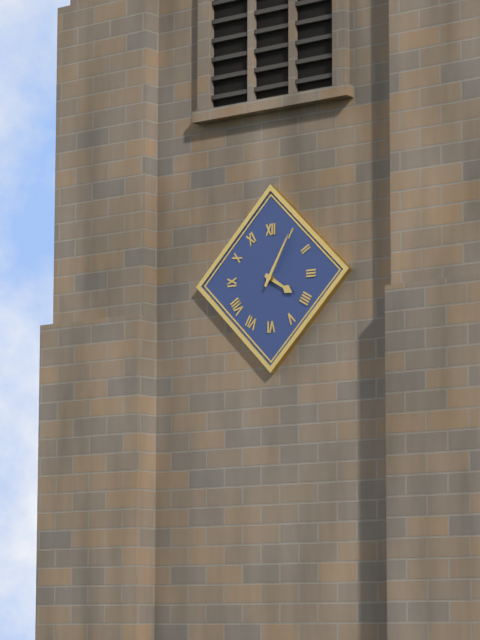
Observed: 4:05
